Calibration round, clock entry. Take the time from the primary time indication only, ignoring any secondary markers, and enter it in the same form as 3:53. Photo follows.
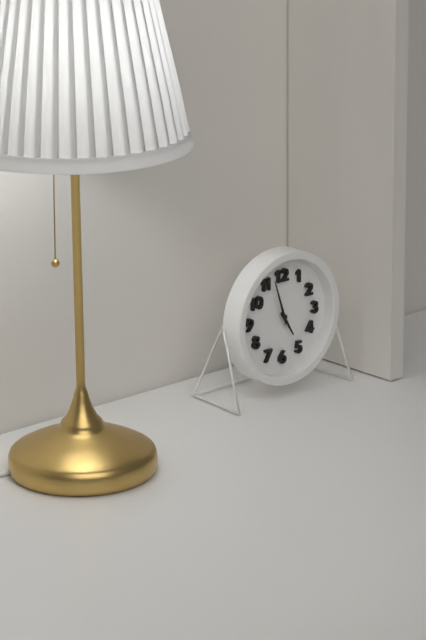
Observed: 4:57
